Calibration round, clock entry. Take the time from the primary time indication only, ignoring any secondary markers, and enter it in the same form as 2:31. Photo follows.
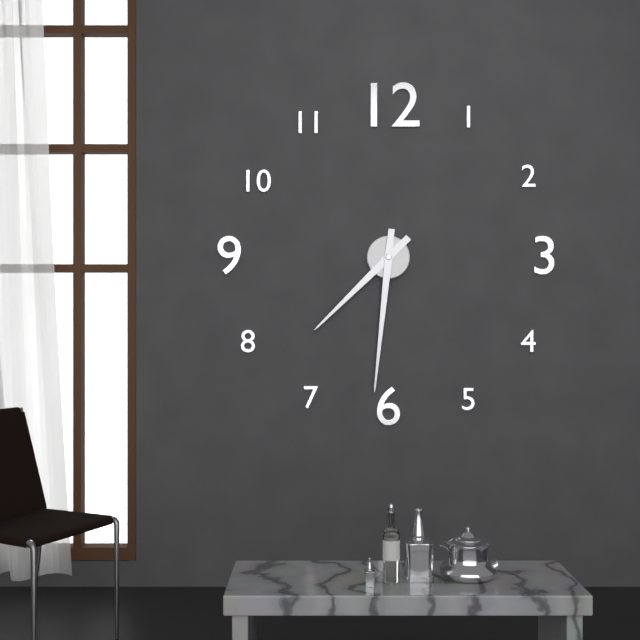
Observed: 7:31
